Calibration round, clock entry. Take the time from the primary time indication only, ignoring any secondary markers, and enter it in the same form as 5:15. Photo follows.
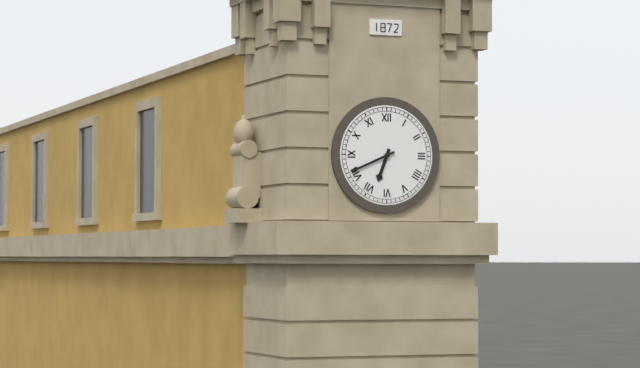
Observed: 6:41
